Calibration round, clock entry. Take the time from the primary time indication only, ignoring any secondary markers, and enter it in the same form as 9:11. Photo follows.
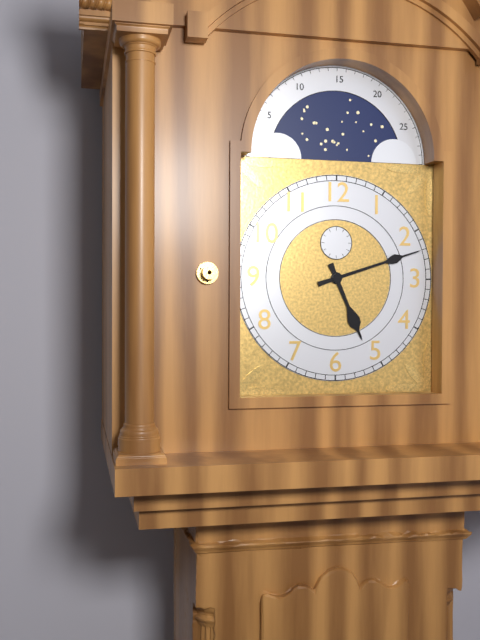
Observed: 5:12
